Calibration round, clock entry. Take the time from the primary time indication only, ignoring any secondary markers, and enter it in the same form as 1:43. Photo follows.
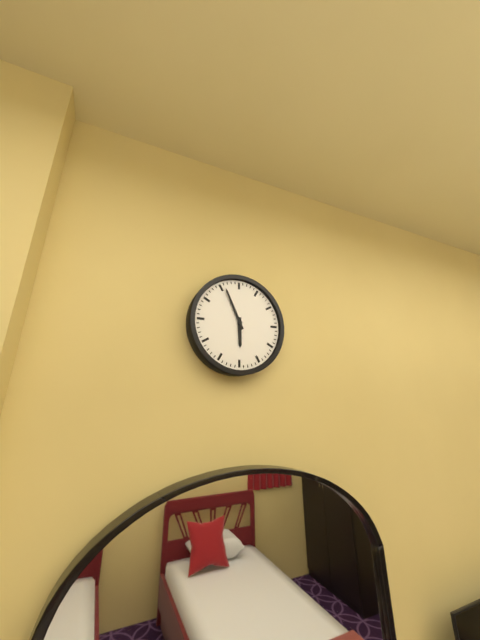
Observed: 5:56
